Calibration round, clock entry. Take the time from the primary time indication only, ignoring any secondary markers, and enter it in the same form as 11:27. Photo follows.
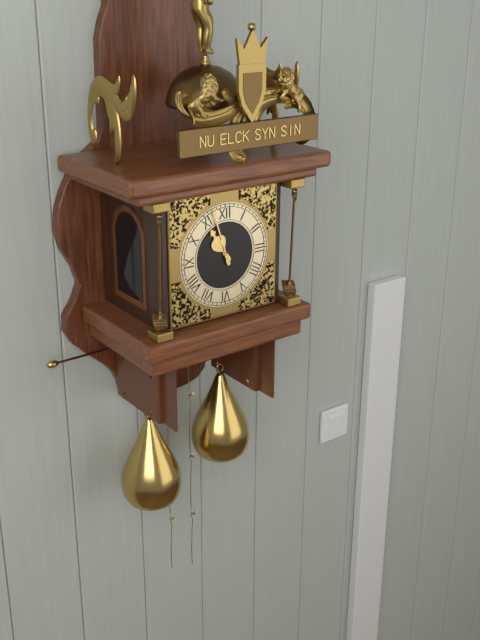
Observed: 10:57
